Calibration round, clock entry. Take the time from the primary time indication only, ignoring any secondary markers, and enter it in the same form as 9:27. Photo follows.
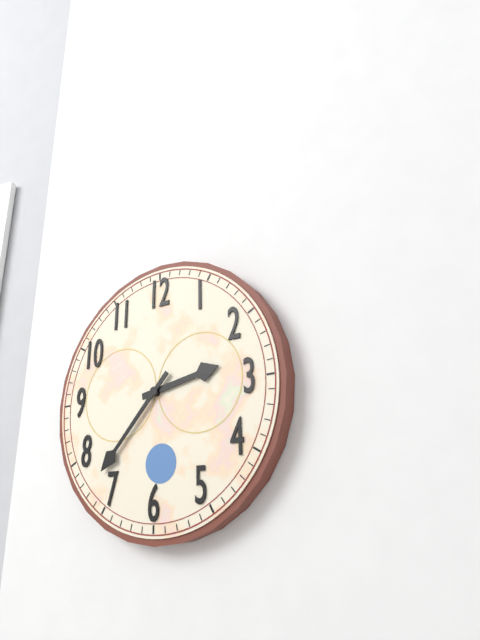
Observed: 2:37
